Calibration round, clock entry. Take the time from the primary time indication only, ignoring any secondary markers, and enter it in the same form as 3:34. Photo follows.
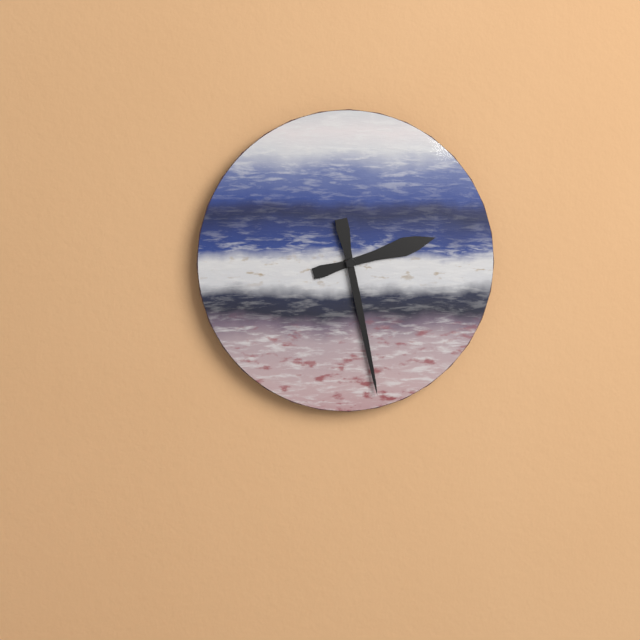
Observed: 2:28
